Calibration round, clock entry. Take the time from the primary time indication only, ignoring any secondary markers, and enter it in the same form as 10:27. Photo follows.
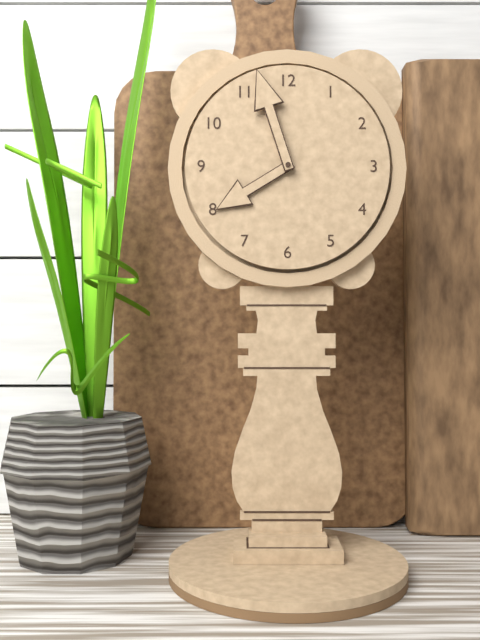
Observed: 7:57
